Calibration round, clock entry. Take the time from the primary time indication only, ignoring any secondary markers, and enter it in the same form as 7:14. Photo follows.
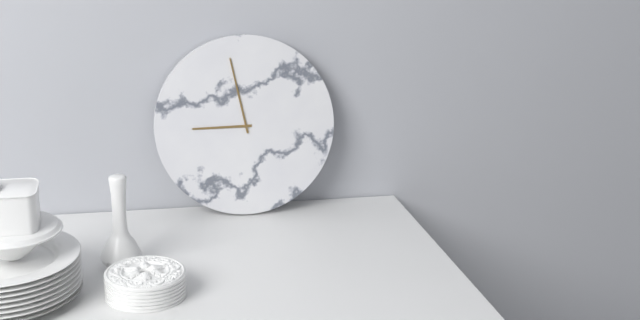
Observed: 8:58
